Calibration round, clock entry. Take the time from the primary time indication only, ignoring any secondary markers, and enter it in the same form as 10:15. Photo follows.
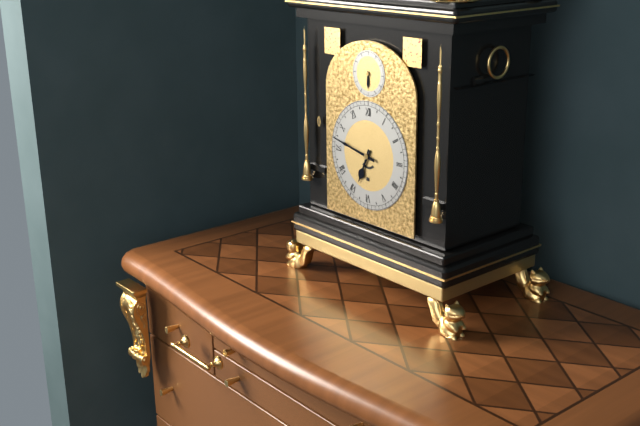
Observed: 6:47
